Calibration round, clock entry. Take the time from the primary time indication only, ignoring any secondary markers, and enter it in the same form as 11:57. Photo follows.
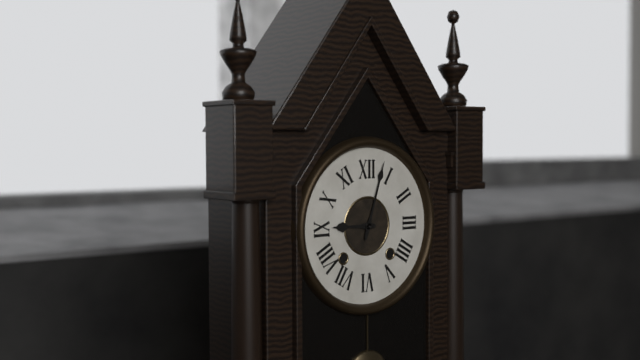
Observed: 9:03
